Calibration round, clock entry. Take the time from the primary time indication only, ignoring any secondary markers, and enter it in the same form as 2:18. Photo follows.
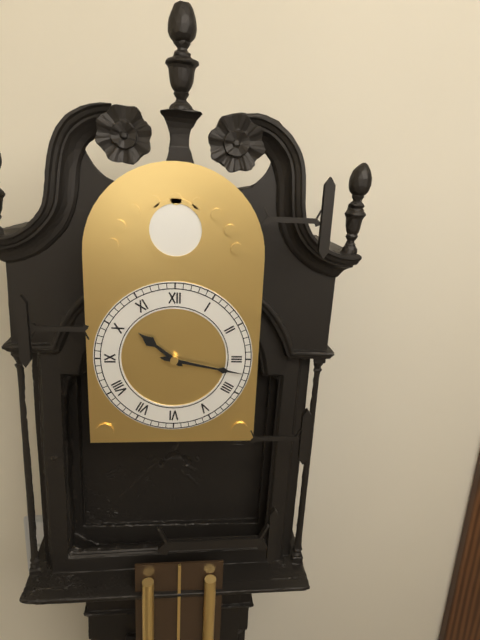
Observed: 10:17
